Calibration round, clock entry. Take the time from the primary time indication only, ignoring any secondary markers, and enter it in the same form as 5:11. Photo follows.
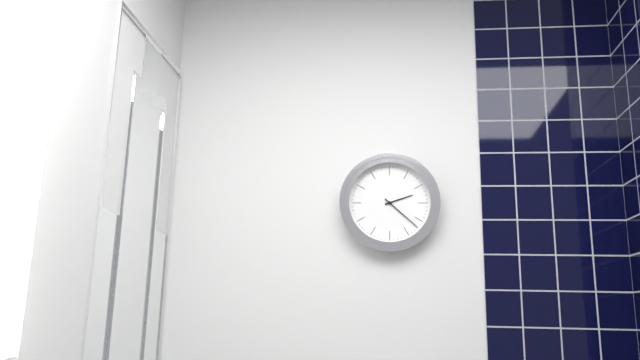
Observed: 2:22
